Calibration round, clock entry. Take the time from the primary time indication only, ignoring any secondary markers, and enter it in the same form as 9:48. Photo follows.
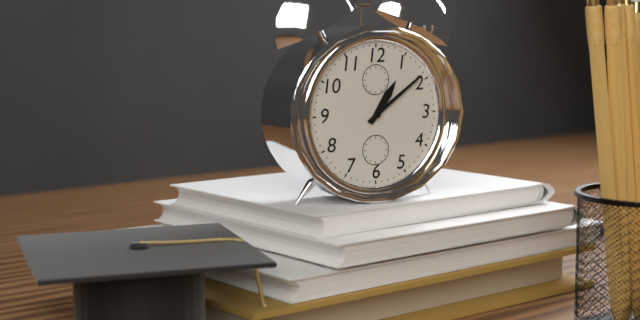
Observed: 1:09
